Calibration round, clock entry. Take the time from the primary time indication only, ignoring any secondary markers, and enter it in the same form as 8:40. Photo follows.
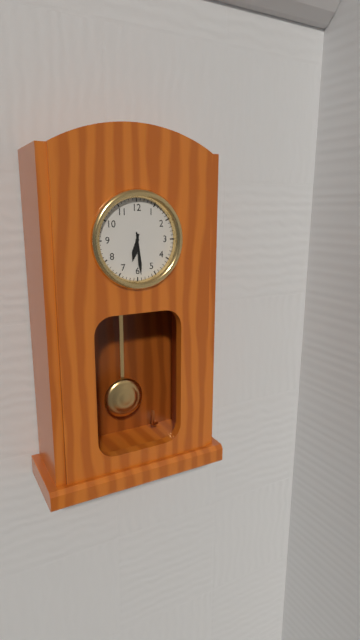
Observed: 6:29
